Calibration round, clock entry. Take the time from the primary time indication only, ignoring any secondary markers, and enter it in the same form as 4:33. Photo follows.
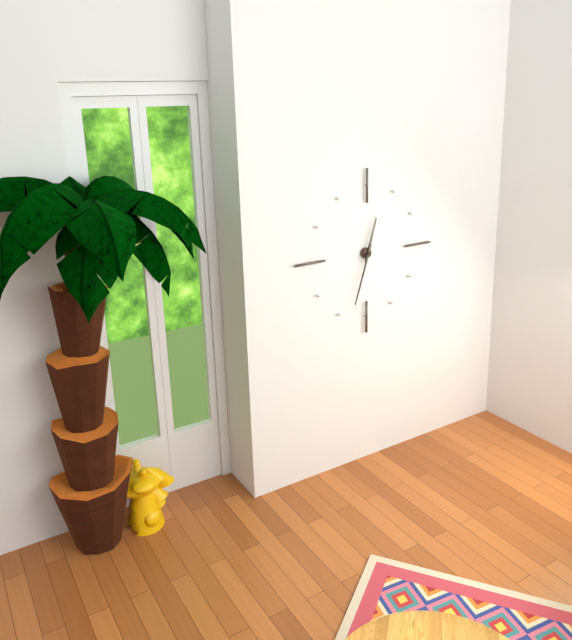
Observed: 12:33
